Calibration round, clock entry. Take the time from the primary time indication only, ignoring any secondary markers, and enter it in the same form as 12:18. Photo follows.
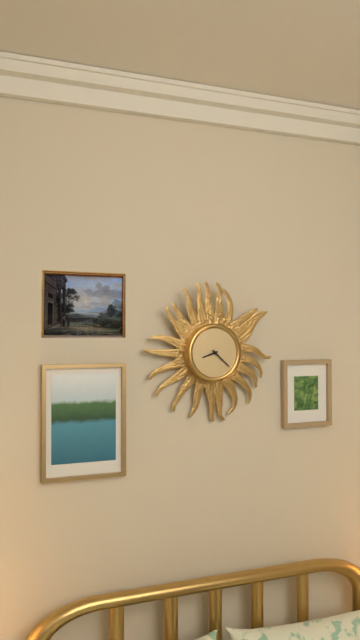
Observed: 8:22
